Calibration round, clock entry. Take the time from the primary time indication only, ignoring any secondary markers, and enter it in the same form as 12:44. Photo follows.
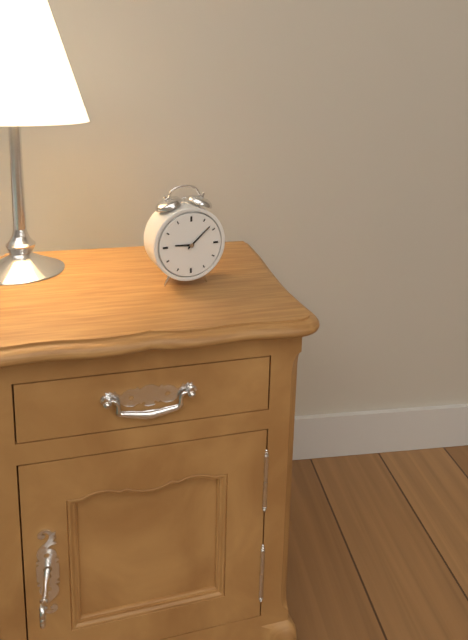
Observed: 9:08
